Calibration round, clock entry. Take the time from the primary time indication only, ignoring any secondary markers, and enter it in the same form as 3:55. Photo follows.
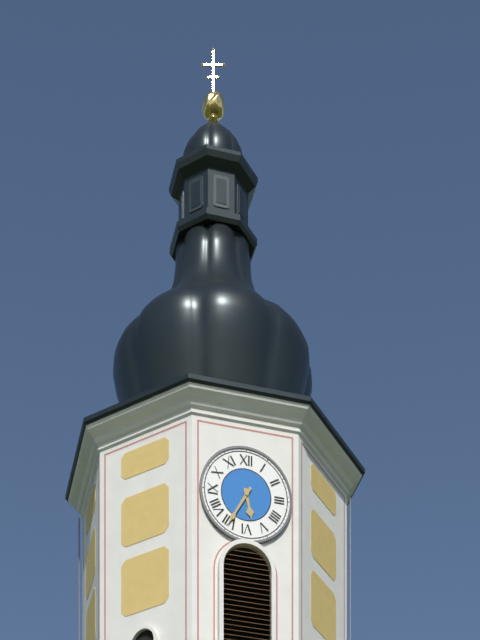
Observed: 5:35
